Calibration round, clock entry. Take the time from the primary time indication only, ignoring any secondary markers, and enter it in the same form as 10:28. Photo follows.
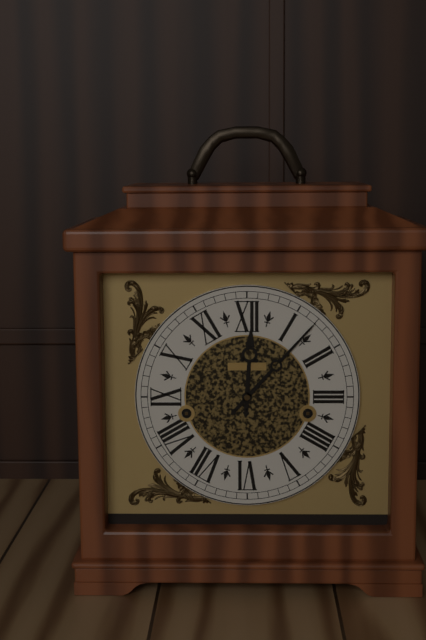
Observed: 12:07
